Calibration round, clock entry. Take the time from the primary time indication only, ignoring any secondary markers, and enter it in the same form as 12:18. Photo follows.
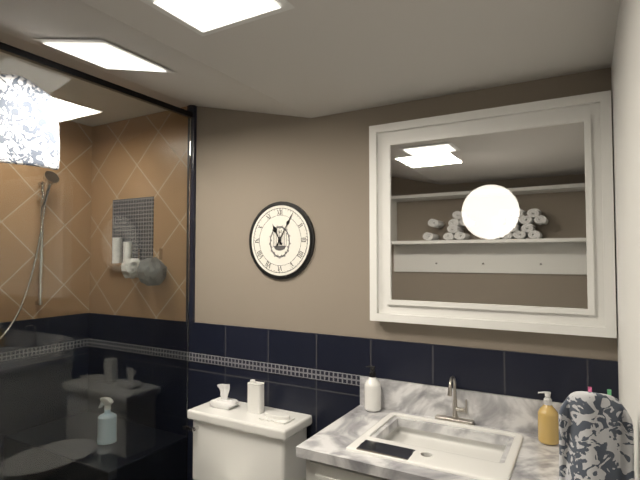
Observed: 11:05
